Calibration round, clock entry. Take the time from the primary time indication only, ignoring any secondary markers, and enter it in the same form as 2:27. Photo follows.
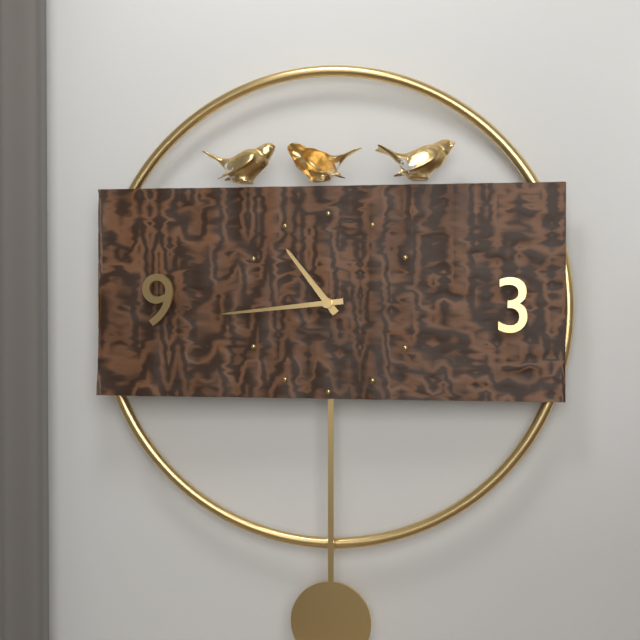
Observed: 10:44
